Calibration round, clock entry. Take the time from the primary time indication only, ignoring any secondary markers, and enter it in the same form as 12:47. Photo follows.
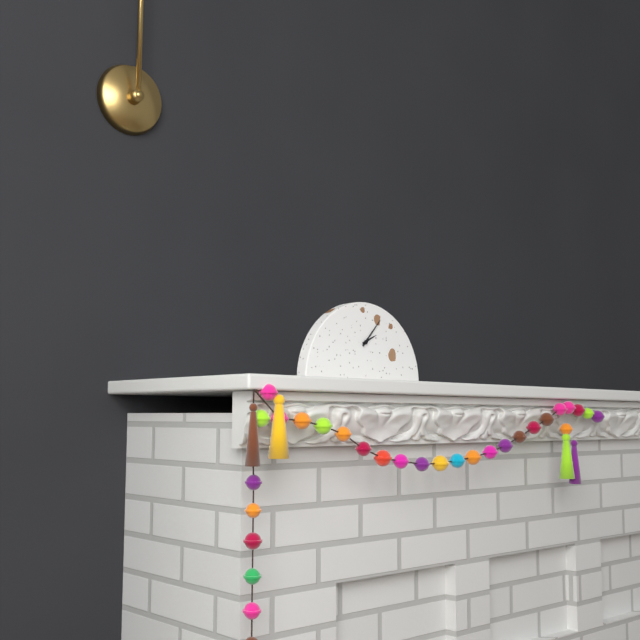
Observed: 2:07
